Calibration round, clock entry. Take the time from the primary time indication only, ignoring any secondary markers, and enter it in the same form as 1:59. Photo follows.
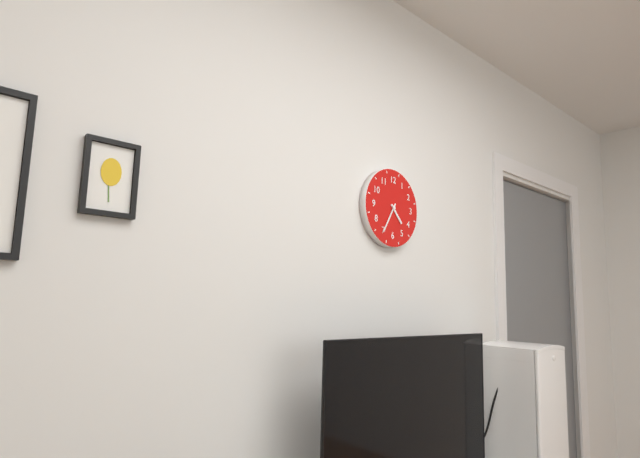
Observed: 4:35
